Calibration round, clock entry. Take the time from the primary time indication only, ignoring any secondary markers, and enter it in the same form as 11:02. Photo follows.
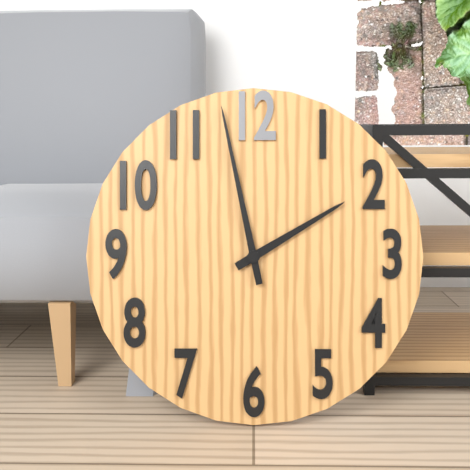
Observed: 1:58
